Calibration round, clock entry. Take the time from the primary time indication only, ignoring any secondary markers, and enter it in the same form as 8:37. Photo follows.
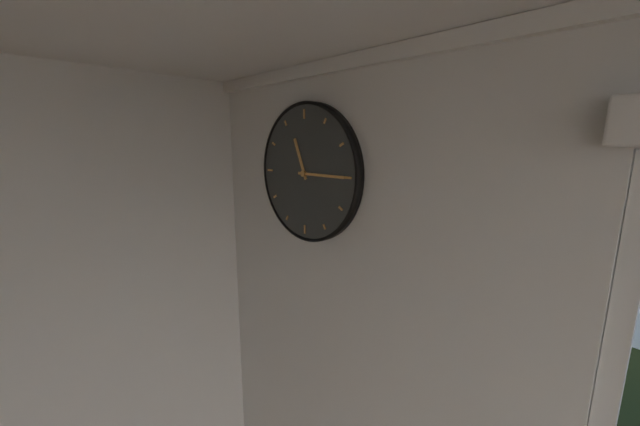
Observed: 11:15
